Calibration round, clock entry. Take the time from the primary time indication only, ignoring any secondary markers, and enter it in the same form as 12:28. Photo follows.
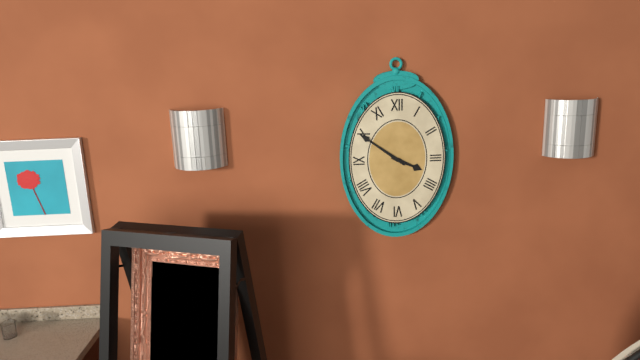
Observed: 3:51
